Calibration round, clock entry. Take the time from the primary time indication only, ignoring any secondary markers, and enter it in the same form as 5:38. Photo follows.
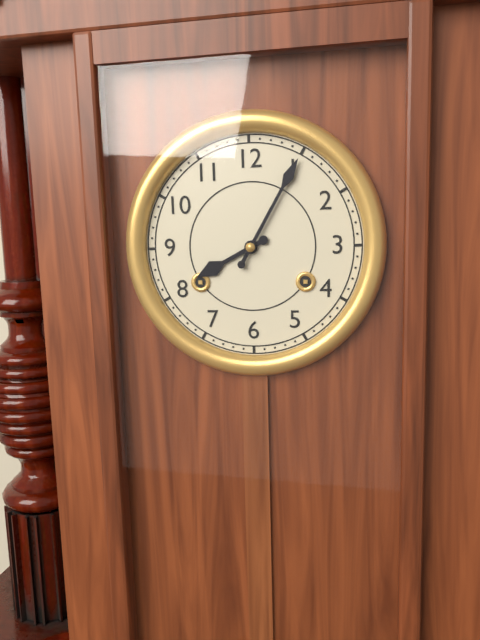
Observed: 8:05
